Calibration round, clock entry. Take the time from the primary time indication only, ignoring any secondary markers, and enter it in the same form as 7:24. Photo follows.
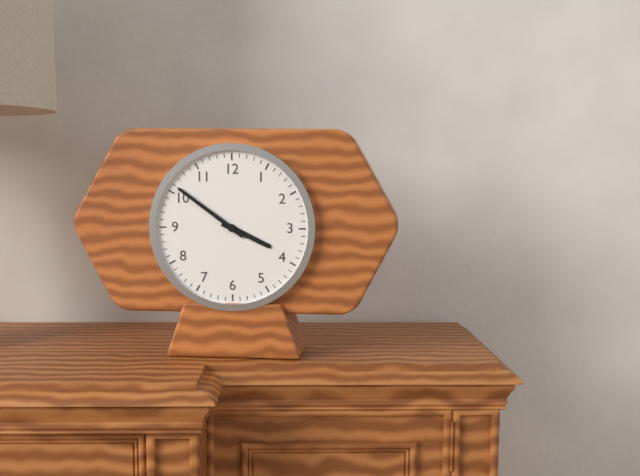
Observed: 3:51
